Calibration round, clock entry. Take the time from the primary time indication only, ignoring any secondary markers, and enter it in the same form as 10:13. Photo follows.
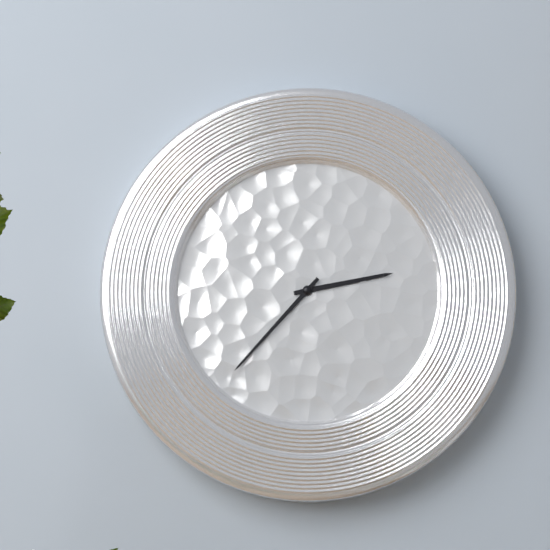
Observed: 2:37
